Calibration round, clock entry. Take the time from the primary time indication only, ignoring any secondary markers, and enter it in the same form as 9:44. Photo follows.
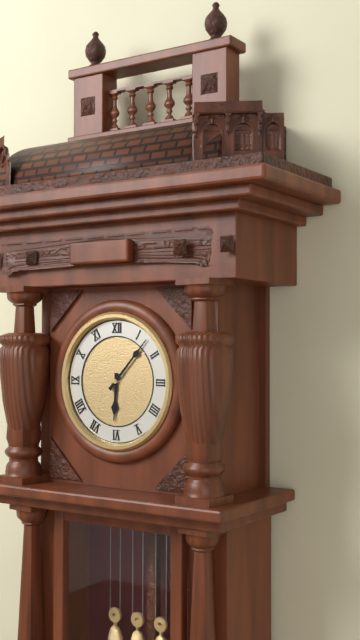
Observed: 6:07
